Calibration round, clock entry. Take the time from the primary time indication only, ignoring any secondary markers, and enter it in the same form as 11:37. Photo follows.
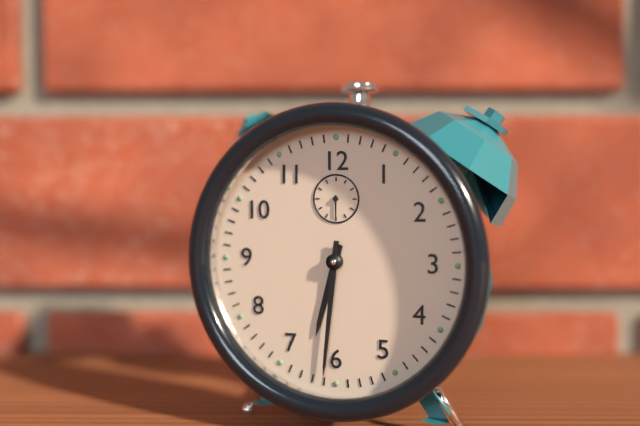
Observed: 6:31
